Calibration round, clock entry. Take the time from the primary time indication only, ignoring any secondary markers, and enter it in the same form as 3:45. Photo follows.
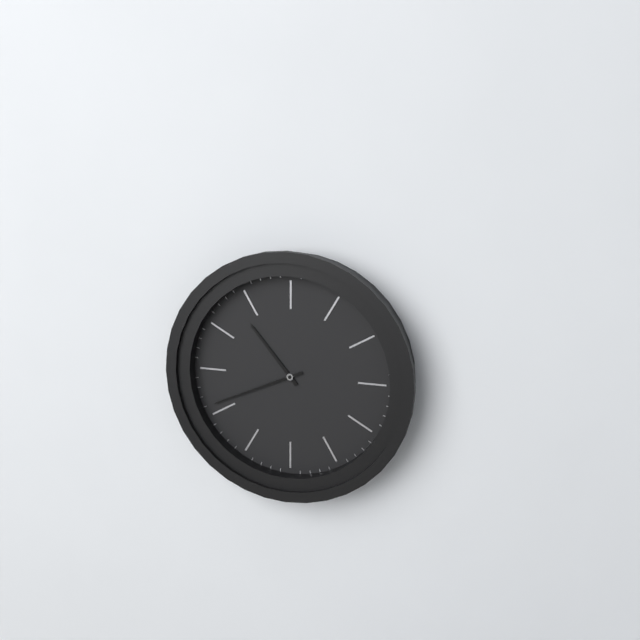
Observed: 10:41
